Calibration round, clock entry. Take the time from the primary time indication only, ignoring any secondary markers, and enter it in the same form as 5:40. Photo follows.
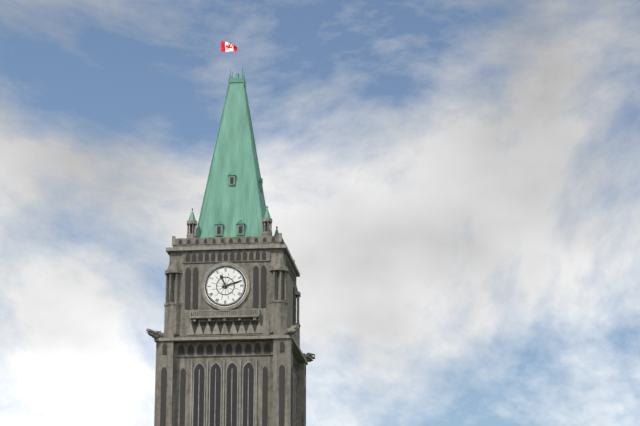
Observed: 11:12
